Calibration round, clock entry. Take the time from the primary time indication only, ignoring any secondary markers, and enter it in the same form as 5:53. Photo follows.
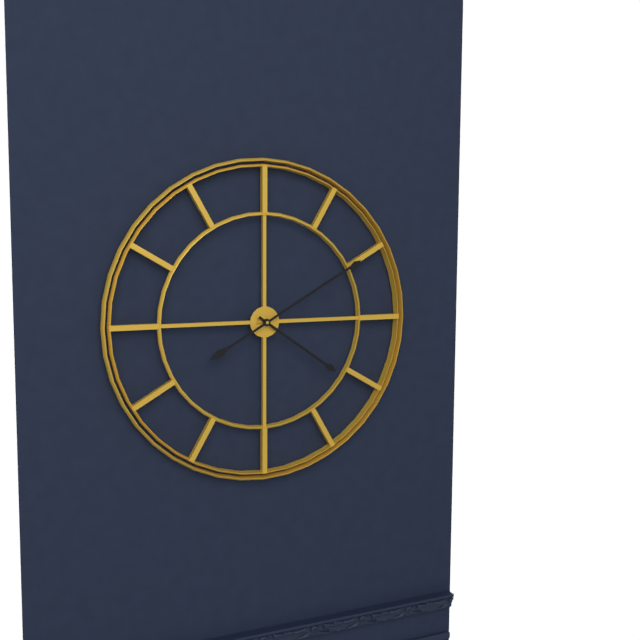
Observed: 4:10
